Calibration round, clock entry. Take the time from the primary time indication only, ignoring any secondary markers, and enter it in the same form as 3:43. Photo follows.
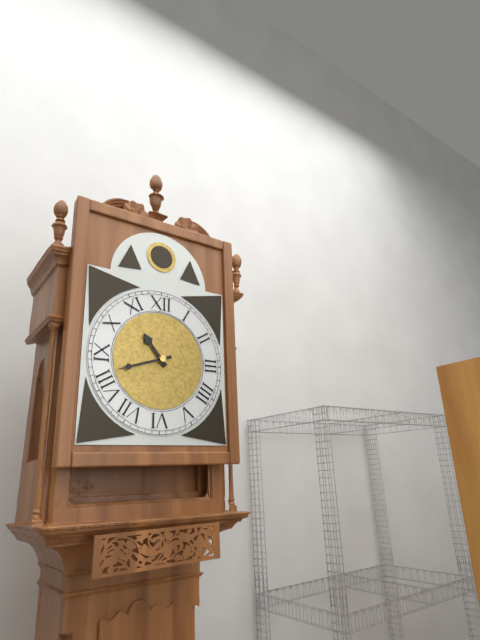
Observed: 10:42
